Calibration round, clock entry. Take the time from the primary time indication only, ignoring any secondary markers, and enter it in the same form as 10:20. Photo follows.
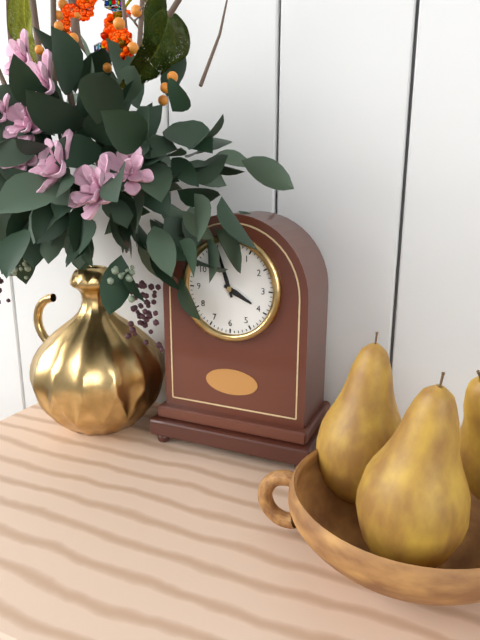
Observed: 3:57
